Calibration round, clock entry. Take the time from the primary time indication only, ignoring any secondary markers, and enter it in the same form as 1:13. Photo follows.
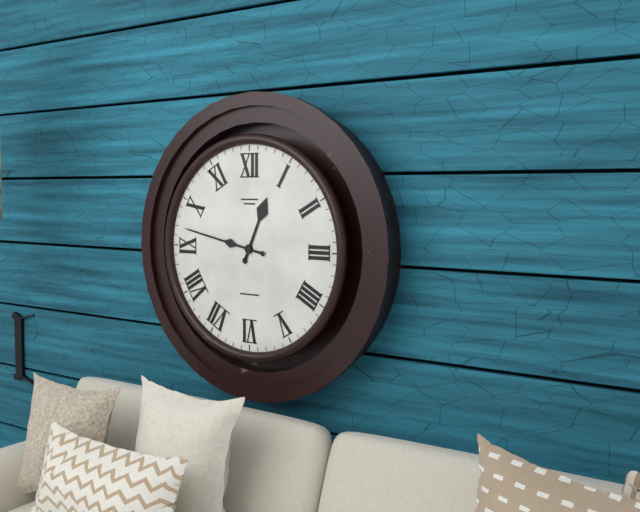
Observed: 12:47
